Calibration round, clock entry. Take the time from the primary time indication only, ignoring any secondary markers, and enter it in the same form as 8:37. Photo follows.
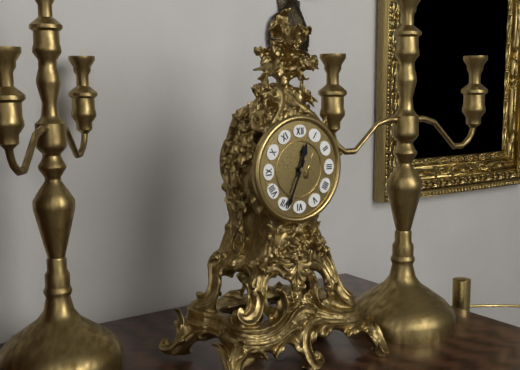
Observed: 12:34
